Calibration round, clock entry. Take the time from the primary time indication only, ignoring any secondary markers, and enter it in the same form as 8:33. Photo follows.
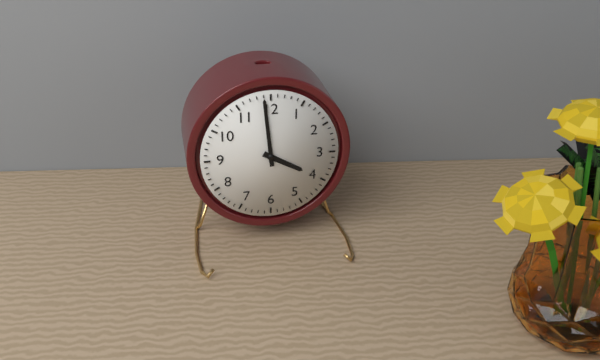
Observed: 3:59
